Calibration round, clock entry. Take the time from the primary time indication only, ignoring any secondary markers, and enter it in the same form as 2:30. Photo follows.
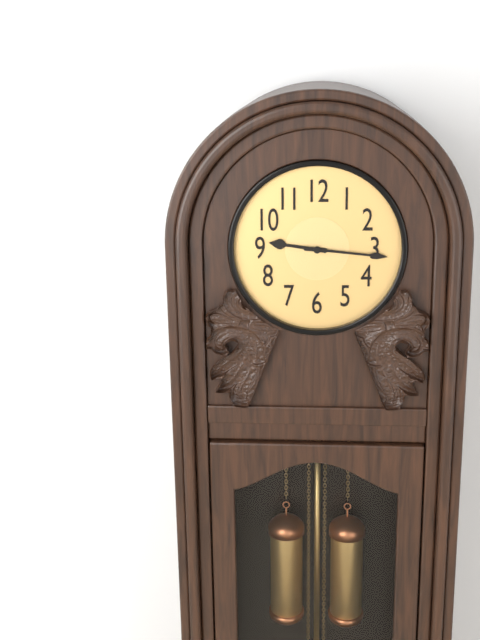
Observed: 9:16
